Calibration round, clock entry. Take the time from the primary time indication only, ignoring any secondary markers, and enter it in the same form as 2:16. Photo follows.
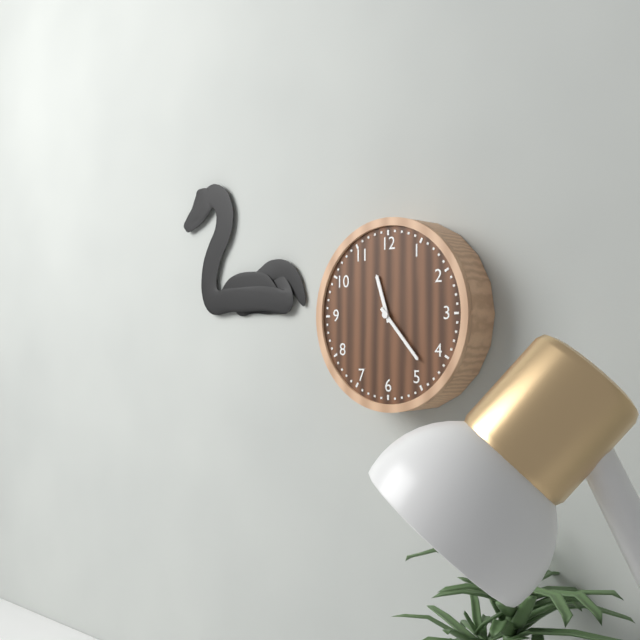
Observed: 11:23
